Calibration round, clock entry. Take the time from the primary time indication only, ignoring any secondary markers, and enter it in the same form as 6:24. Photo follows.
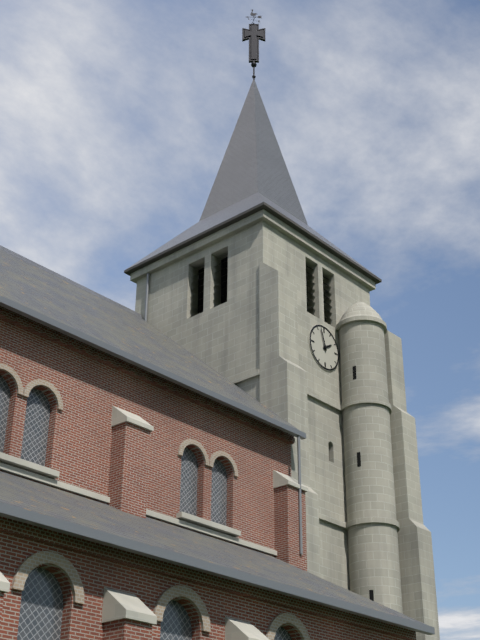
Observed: 1:57
